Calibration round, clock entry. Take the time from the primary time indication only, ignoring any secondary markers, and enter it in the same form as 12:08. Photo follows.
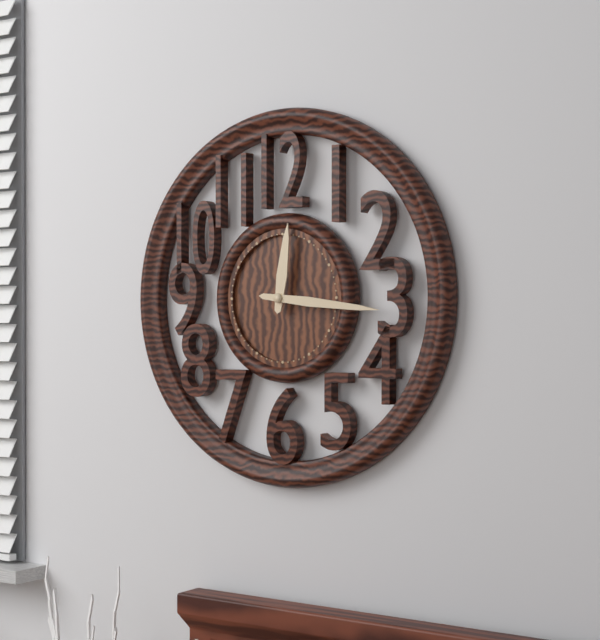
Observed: 12:16
